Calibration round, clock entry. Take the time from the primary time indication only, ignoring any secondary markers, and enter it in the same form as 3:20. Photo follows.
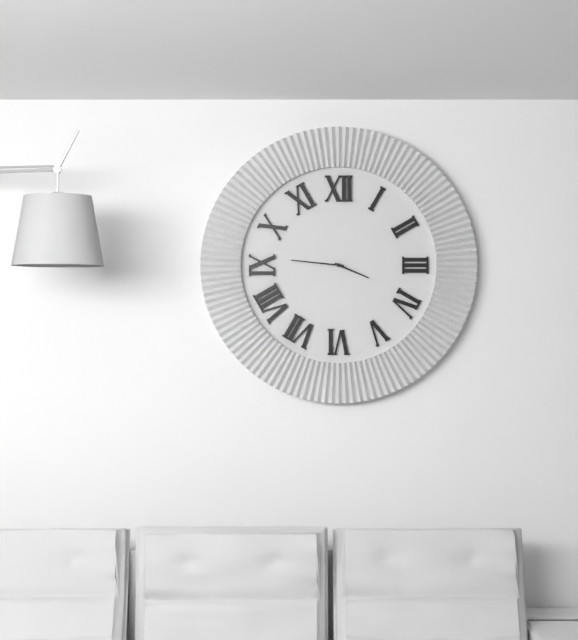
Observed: 3:46
